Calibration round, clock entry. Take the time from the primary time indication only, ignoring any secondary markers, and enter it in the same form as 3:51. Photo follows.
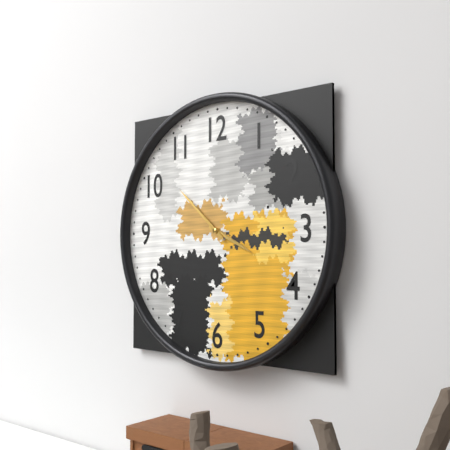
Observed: 3:52
